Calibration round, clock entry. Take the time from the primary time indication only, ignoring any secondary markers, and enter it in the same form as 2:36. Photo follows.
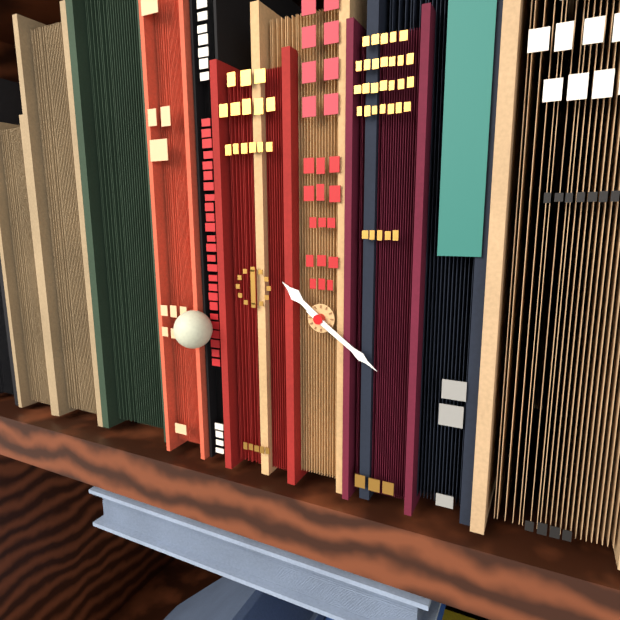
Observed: 10:21
